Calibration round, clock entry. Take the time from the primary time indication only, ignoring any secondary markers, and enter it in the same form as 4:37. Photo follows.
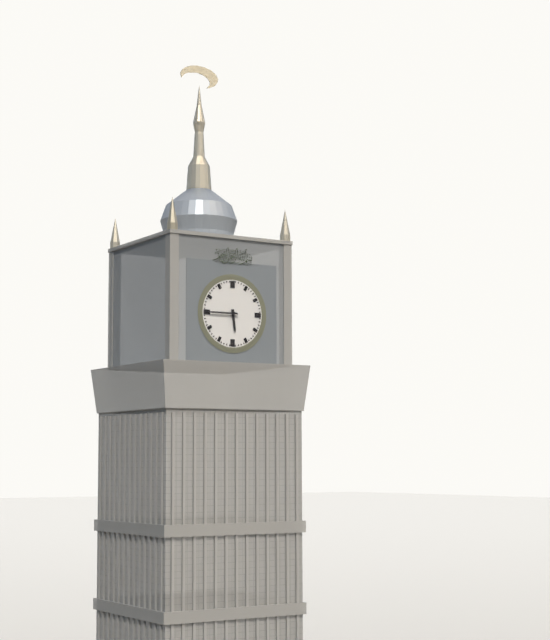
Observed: 5:45
